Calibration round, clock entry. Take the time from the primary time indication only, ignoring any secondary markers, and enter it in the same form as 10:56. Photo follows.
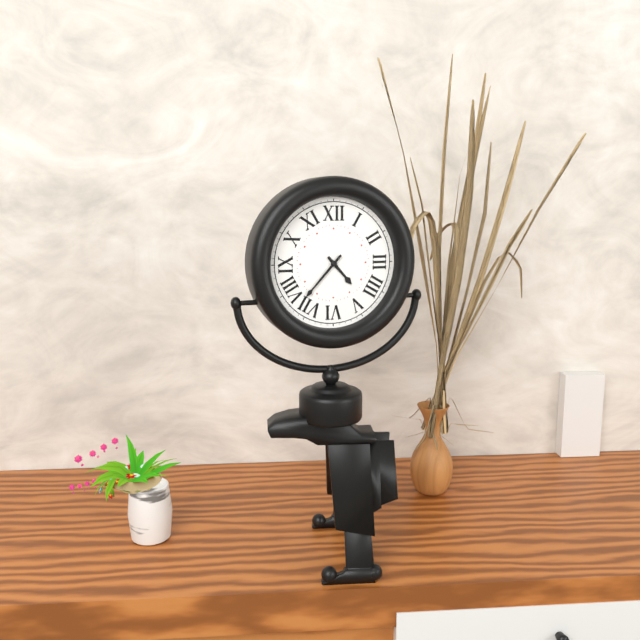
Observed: 4:37
